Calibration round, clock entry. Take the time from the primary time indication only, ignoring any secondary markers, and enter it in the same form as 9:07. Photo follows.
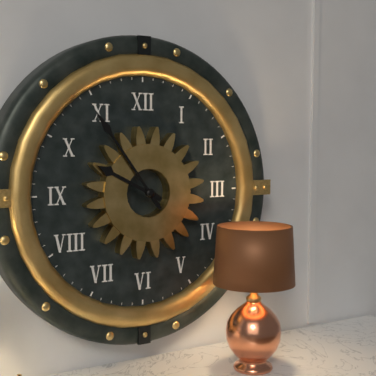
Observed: 9:54
